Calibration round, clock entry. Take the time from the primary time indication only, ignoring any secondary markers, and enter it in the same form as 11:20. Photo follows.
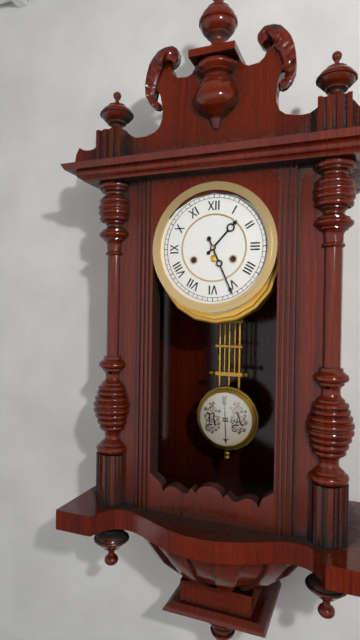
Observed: 1:26
